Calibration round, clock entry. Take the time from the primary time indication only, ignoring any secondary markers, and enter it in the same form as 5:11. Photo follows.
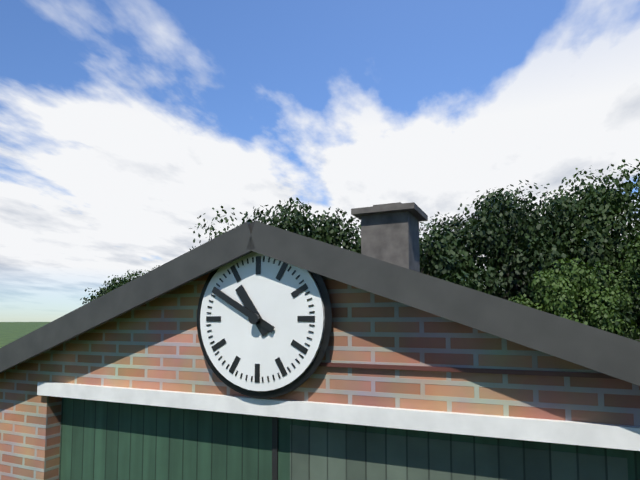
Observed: 10:50
